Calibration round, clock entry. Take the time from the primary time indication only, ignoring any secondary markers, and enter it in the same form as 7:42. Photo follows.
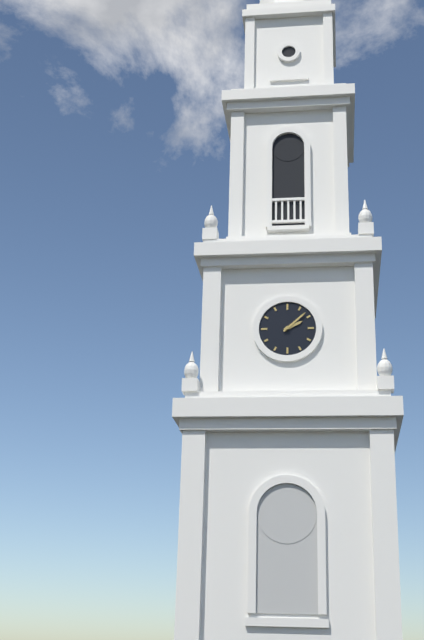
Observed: 2:08
